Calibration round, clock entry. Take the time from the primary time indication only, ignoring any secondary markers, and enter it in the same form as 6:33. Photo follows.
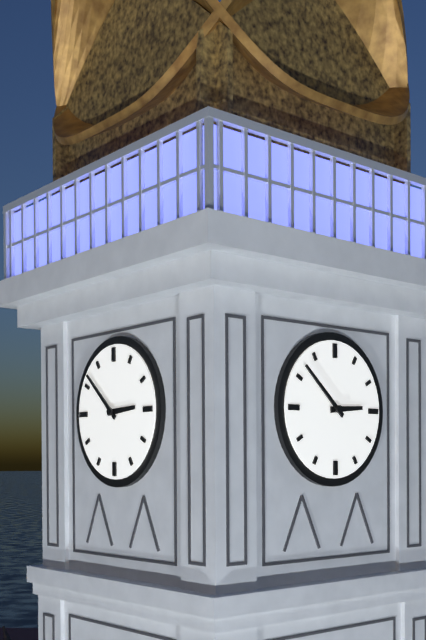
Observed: 2:52
